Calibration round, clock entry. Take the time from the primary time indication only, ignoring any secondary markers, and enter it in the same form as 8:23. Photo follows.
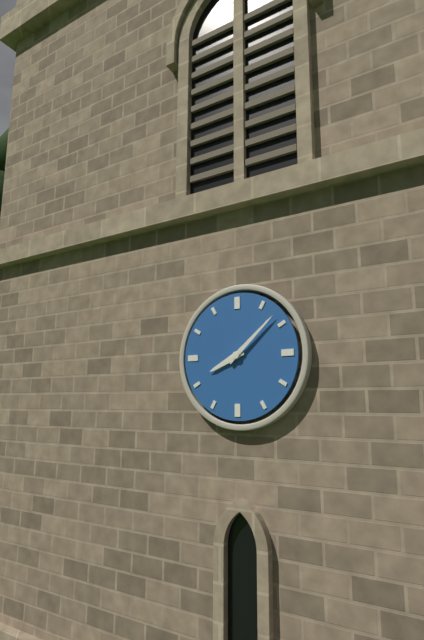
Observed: 8:08
